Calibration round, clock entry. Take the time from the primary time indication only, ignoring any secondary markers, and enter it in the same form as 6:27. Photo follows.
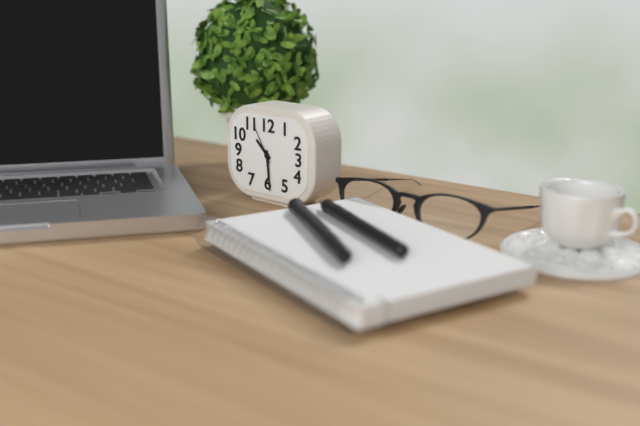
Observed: 10:29
